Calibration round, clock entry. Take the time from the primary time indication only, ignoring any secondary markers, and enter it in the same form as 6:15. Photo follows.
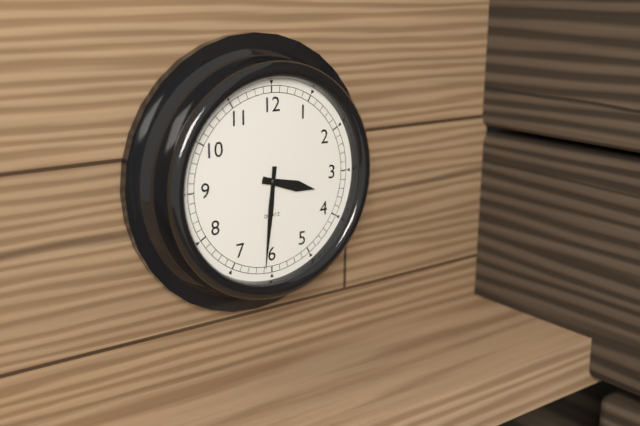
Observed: 3:31
